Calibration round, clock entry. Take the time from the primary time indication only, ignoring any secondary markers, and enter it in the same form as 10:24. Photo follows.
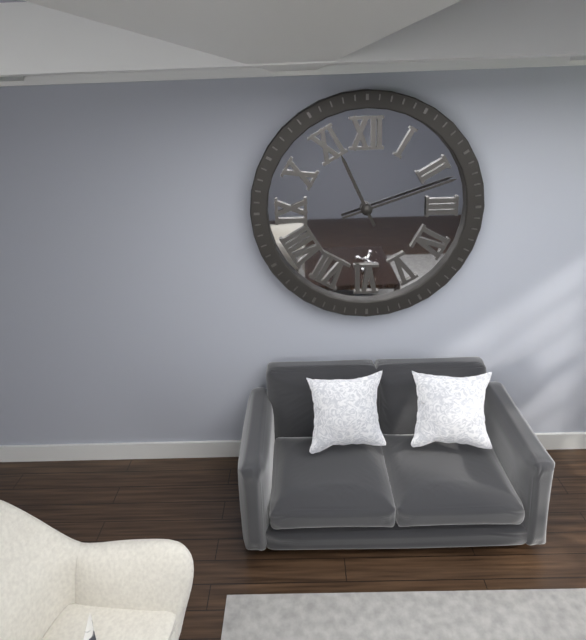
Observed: 11:12
